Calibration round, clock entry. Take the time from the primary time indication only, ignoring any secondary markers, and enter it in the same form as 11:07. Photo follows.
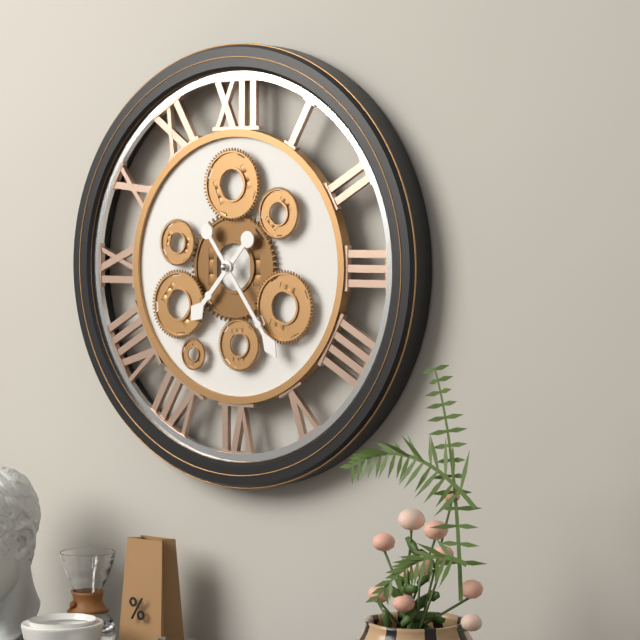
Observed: 7:24
